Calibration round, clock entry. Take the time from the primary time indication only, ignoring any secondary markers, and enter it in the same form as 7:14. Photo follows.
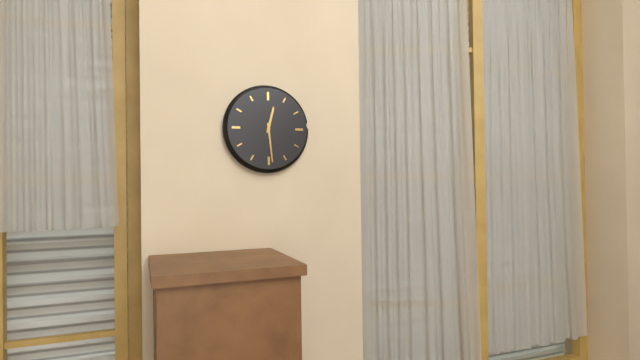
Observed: 12:29
